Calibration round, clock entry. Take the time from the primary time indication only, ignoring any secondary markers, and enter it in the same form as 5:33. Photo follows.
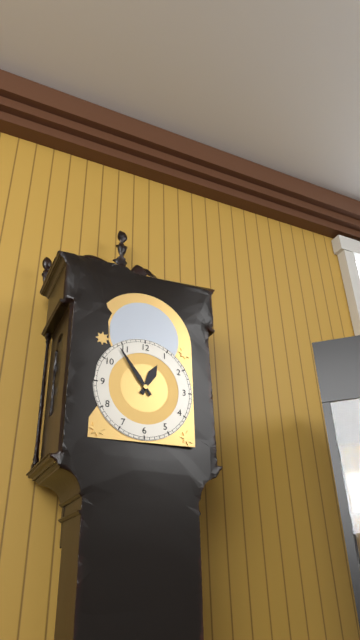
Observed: 12:54
